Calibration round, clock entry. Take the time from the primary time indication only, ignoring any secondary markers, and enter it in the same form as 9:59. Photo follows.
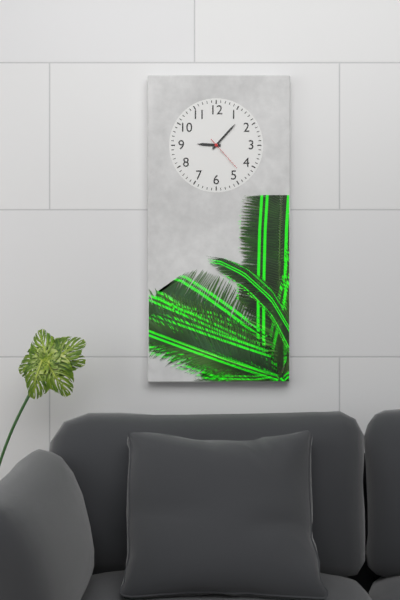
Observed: 9:07
